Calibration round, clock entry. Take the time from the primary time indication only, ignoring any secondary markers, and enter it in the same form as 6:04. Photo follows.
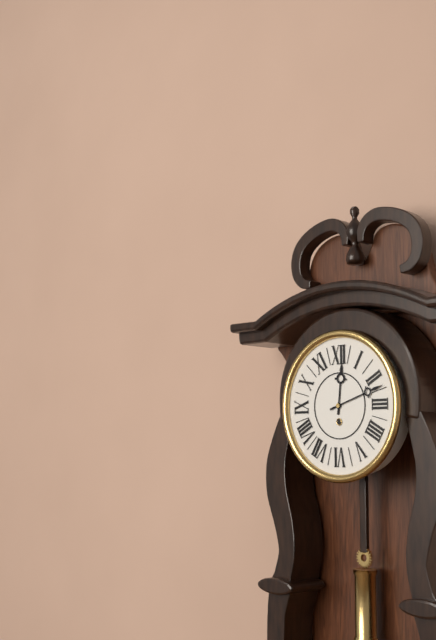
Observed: 12:12
